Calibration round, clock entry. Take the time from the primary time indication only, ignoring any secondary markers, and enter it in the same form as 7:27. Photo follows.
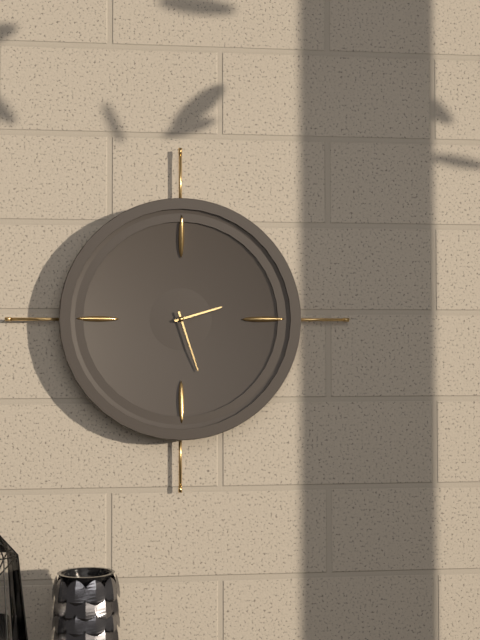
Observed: 2:27
